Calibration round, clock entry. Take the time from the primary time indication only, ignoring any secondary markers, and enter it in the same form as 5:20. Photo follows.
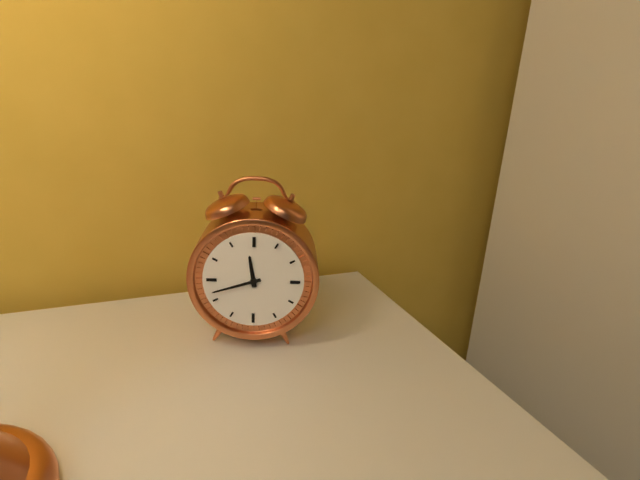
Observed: 11:42
